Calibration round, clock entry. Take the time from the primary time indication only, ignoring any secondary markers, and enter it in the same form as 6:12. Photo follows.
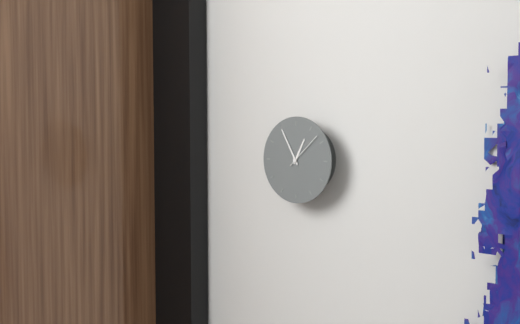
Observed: 12:55
